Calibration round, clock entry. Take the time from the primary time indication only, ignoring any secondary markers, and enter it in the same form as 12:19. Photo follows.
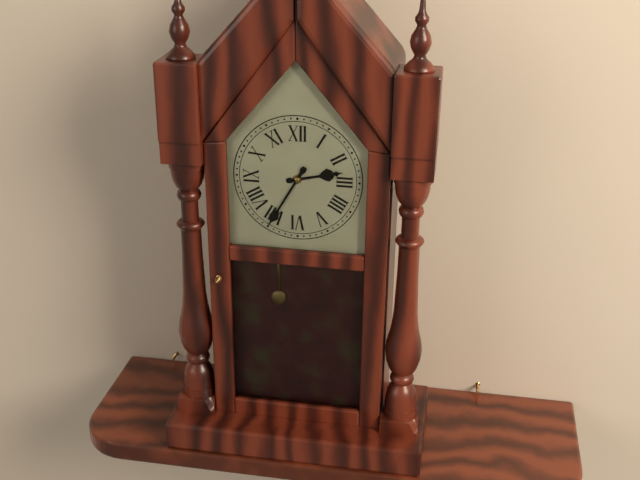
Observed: 2:35
